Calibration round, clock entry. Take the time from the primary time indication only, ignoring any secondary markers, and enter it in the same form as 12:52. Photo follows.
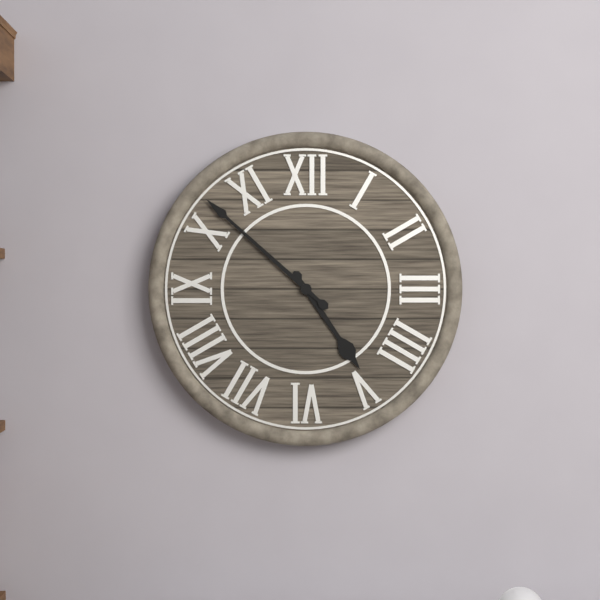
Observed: 4:52
